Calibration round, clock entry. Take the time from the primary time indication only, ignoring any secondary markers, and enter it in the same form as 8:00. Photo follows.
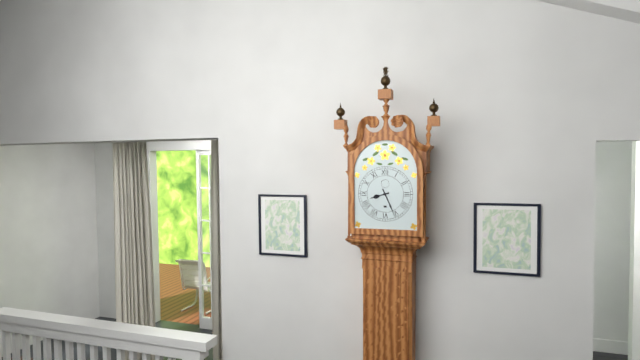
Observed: 8:26
